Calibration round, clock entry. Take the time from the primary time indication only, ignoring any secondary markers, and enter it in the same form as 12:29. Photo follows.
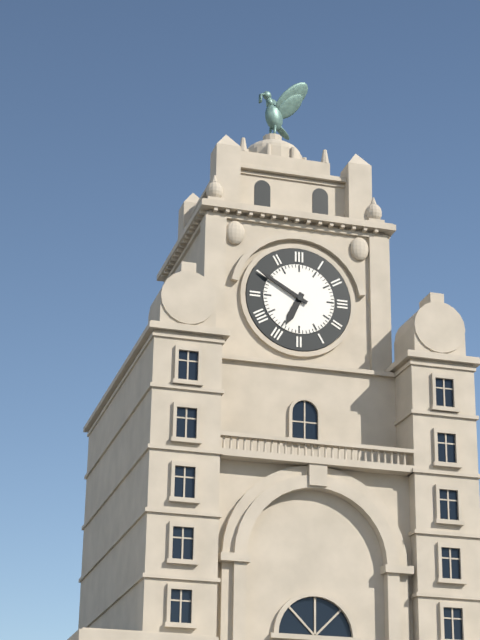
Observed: 6:50
